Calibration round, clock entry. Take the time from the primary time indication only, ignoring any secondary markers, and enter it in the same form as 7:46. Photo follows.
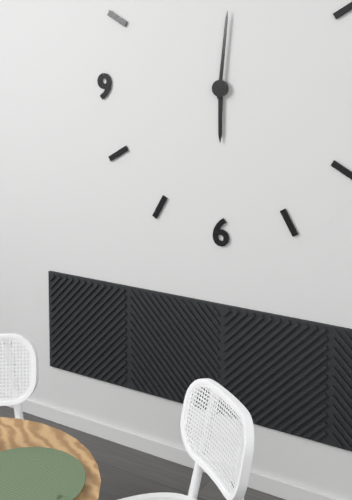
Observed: 6:01
